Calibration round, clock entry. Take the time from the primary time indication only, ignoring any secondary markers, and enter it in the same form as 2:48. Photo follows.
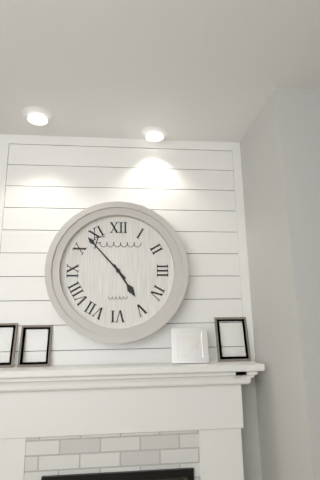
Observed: 4:53
